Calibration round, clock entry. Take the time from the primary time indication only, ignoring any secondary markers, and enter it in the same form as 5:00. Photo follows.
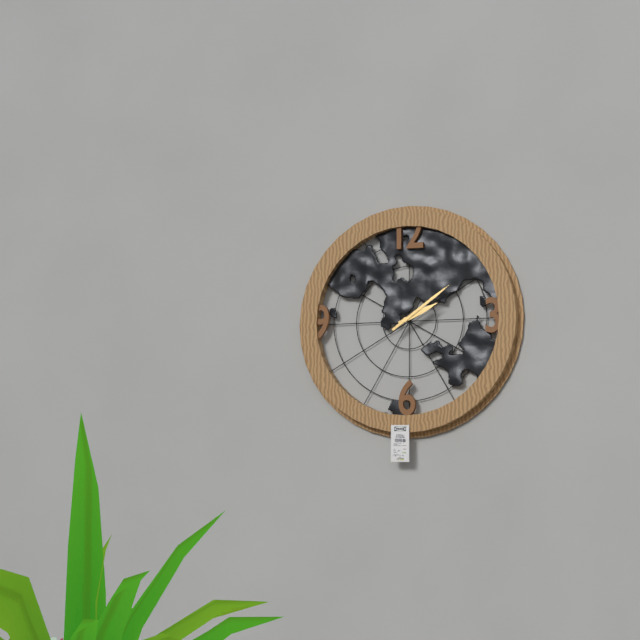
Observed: 2:09
